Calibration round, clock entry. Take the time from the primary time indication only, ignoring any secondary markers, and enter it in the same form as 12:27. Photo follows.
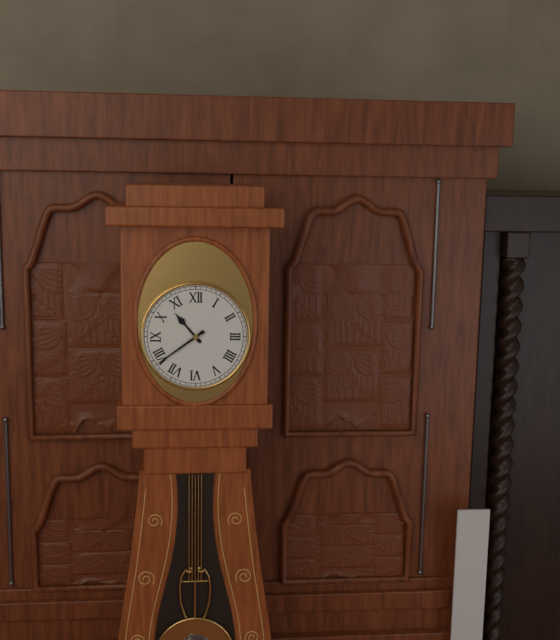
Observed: 10:39
